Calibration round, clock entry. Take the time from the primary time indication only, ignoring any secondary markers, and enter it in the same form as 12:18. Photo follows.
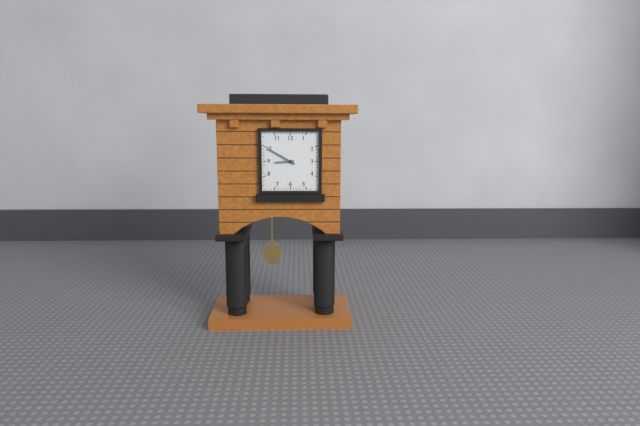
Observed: 8:50
